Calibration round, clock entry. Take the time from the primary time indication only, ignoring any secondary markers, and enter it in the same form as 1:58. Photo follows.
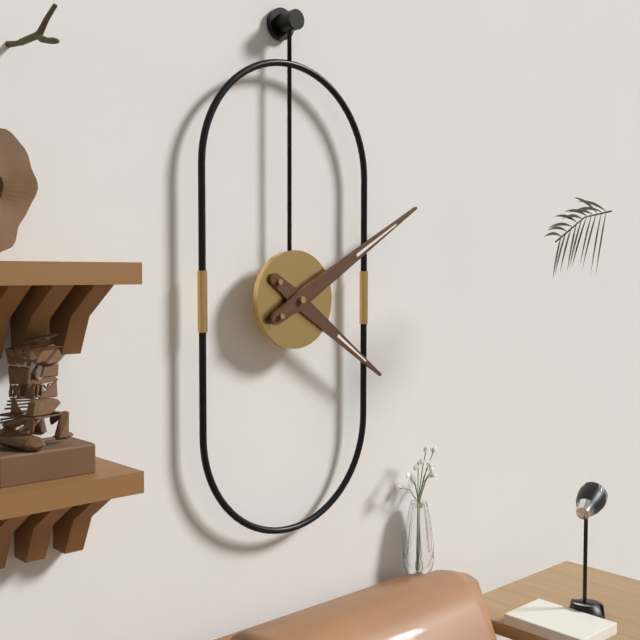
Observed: 4:10
